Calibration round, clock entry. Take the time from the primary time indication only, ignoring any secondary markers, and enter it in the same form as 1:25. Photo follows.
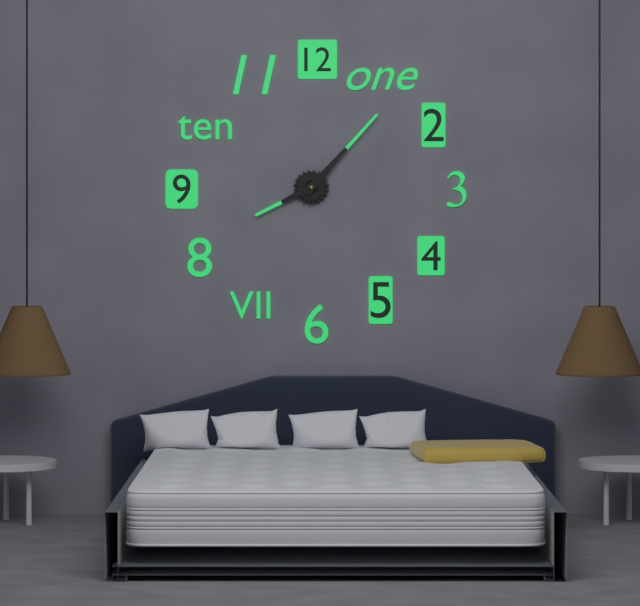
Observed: 8:07
